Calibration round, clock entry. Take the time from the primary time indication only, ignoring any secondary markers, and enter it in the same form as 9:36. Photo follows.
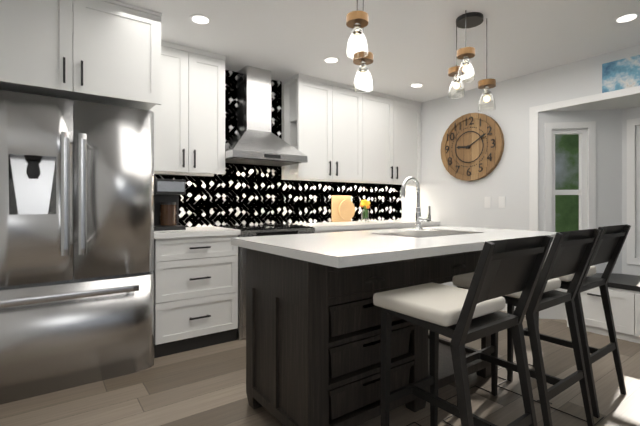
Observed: 9:10
